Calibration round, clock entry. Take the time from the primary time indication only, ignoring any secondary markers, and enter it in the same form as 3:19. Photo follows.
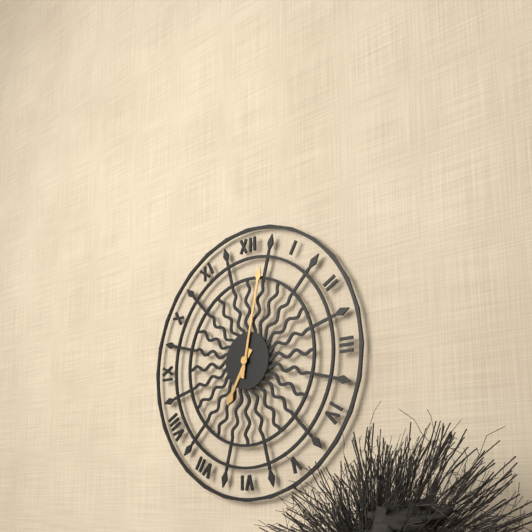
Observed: 7:02
